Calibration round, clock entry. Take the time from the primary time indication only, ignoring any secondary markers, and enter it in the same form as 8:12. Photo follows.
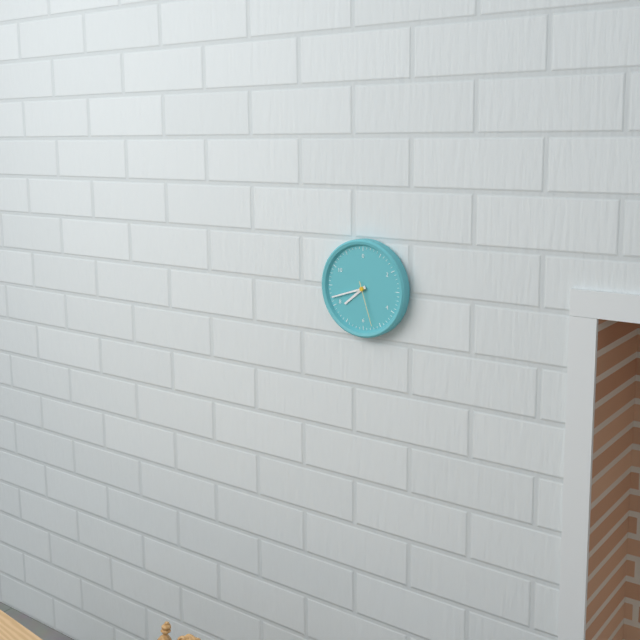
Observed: 7:42
